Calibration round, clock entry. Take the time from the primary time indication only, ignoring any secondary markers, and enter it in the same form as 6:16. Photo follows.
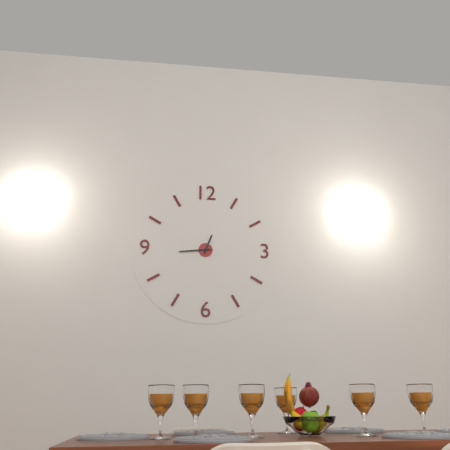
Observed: 12:44
